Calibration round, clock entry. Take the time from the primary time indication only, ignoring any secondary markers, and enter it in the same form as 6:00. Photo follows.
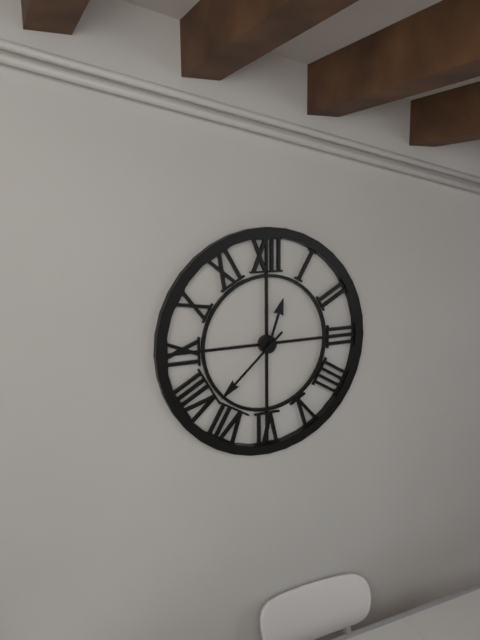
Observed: 12:38
